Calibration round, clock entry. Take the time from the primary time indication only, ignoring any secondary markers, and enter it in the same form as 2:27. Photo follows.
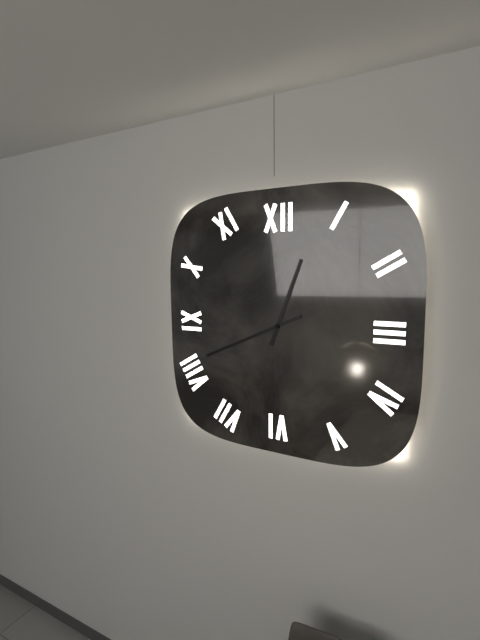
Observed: 12:41
